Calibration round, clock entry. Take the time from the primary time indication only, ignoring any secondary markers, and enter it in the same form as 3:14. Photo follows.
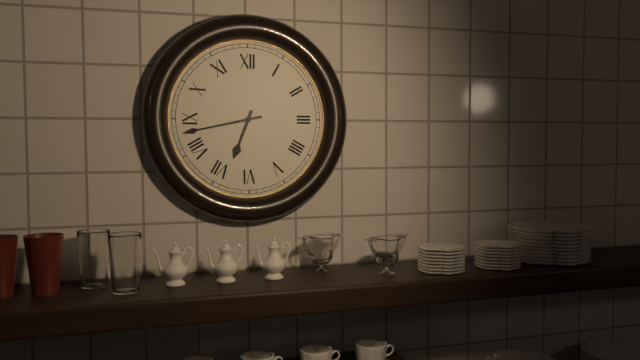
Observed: 6:43
